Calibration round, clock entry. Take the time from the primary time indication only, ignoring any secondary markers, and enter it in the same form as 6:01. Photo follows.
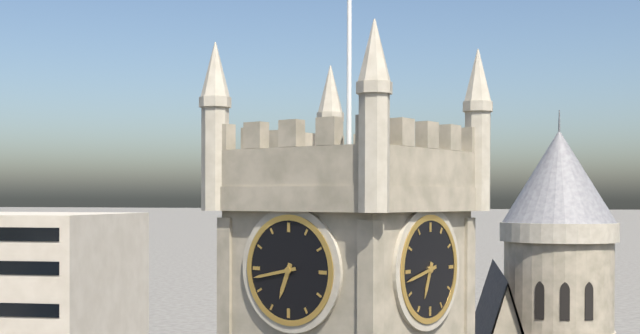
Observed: 6:43
